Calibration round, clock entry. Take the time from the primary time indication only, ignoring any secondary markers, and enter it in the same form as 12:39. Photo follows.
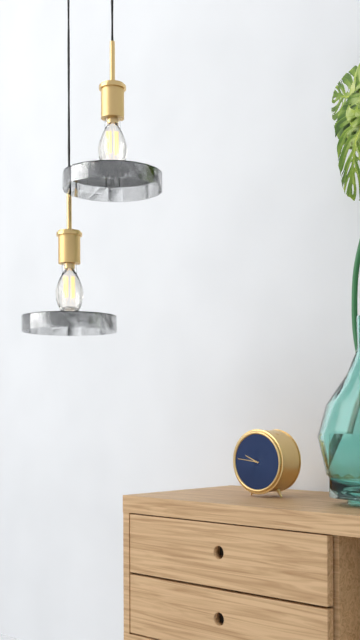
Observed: 9:46
